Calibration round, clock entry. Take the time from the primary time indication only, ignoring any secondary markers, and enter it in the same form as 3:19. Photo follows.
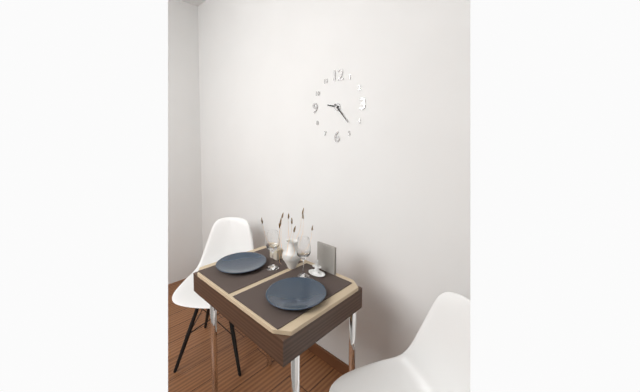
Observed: 9:23
